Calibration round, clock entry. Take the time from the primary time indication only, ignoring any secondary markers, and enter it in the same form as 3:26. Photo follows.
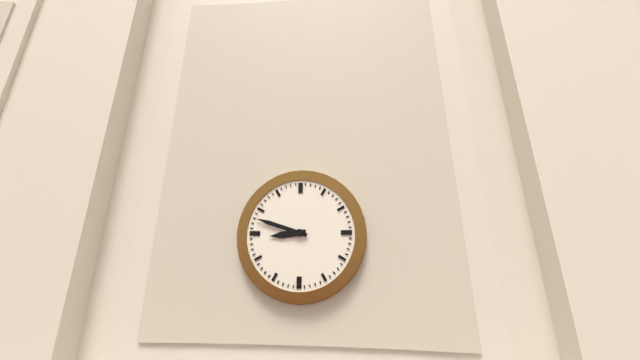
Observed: 8:48
